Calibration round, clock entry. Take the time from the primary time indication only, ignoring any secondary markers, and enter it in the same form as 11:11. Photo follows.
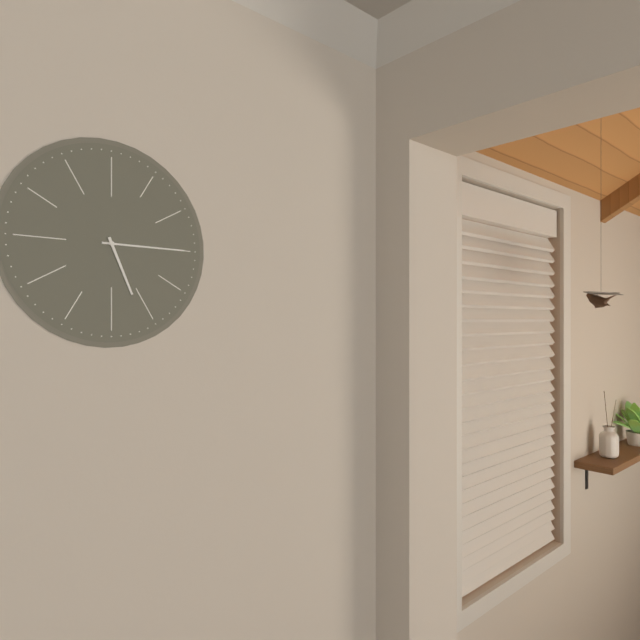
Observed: 5:15
